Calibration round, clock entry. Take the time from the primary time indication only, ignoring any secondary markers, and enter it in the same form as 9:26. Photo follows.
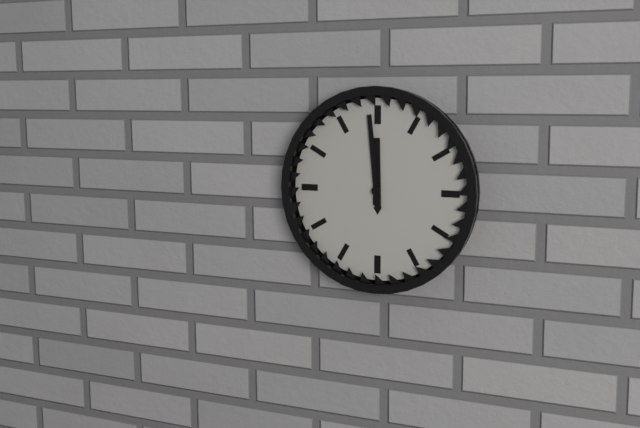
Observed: 11:59
